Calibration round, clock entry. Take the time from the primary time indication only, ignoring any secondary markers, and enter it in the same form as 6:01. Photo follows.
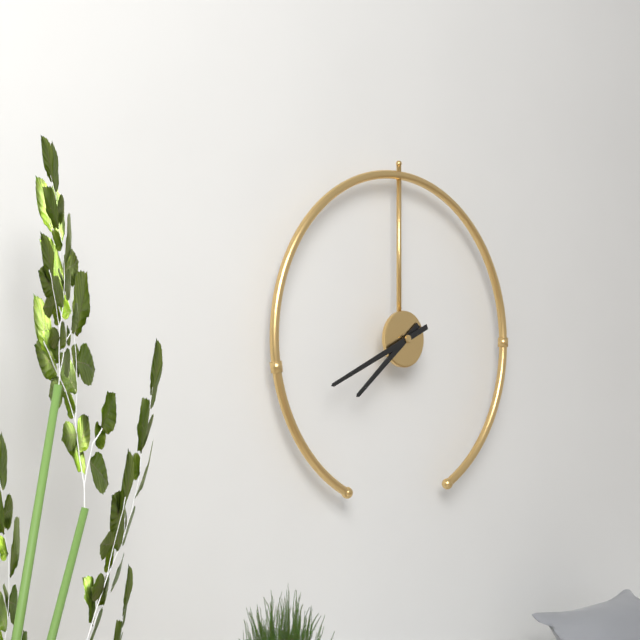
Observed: 7:41
